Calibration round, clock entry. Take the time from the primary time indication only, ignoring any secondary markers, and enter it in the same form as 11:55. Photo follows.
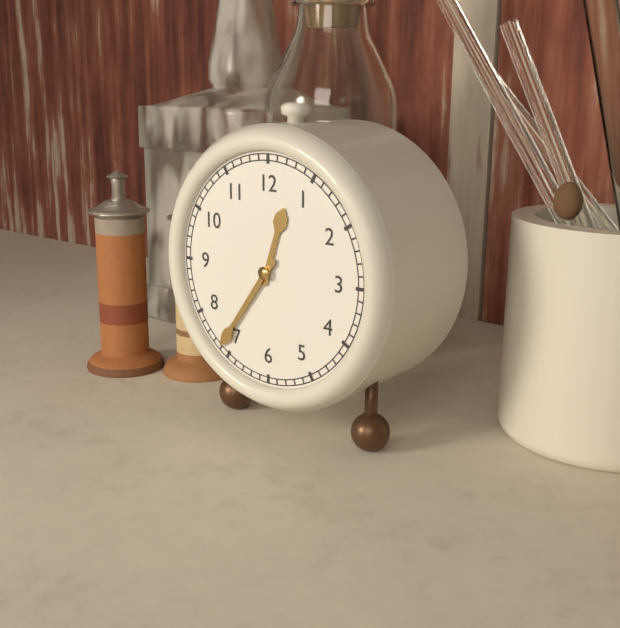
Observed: 12:36
